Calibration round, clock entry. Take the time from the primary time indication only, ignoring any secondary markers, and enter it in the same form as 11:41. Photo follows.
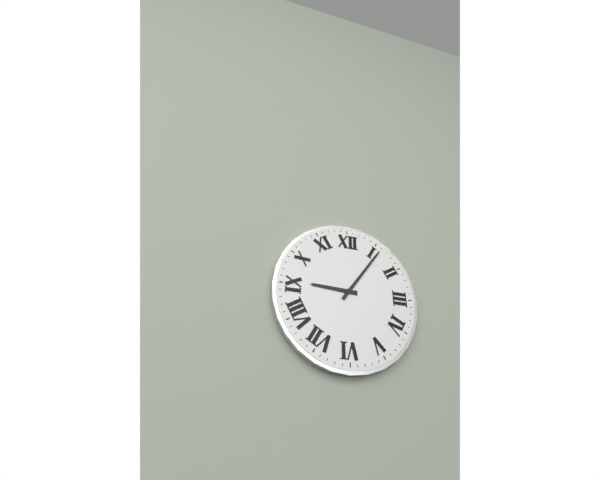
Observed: 9:06
